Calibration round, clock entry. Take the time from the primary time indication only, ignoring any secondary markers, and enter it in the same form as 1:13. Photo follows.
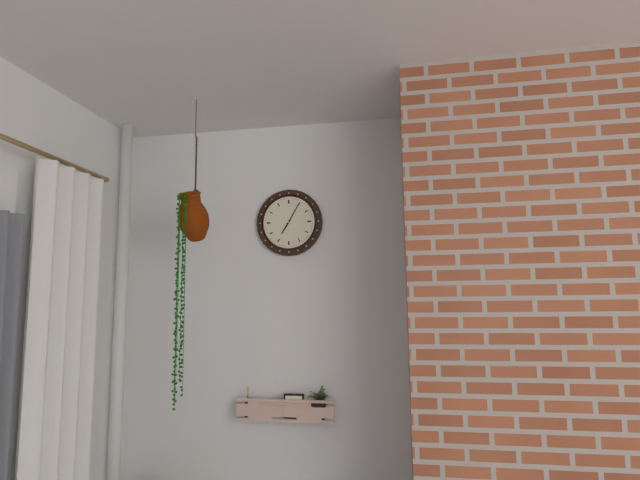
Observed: 7:05
